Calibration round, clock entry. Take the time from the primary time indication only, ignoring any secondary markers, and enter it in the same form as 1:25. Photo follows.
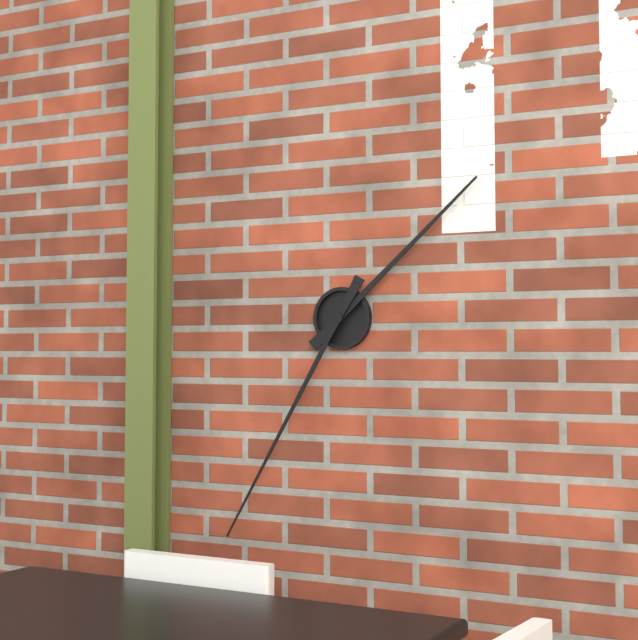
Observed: 1:35
